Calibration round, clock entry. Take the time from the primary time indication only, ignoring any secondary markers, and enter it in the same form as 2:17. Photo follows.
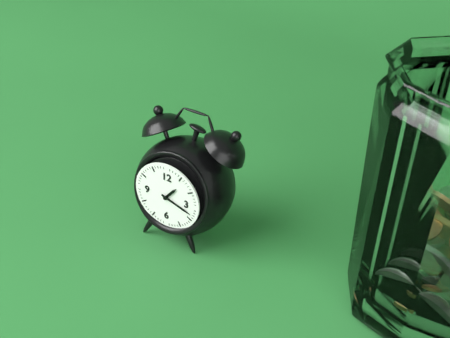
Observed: 1:18
